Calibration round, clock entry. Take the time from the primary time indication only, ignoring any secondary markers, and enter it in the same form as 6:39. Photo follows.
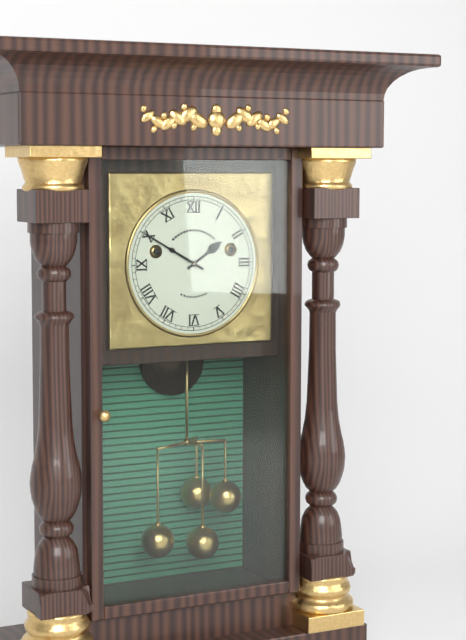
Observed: 1:50
